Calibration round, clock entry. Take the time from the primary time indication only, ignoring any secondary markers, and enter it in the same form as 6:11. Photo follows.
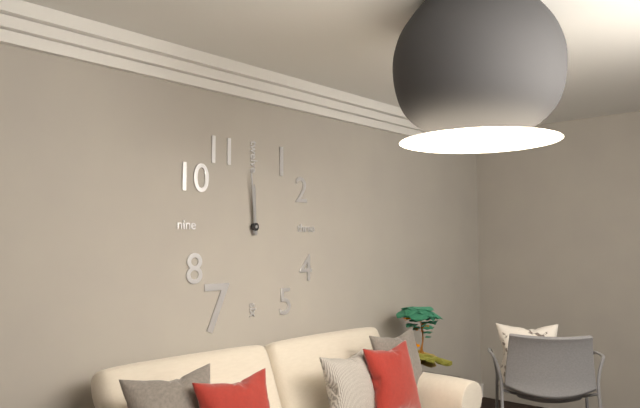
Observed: 11:59
